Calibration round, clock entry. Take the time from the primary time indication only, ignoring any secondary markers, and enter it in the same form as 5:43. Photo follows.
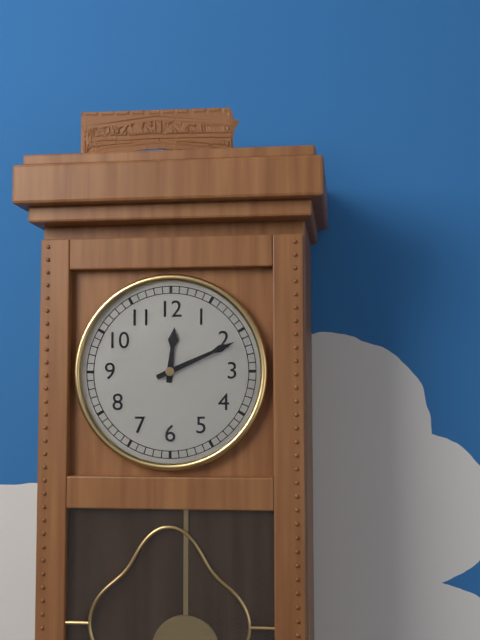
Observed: 12:11
